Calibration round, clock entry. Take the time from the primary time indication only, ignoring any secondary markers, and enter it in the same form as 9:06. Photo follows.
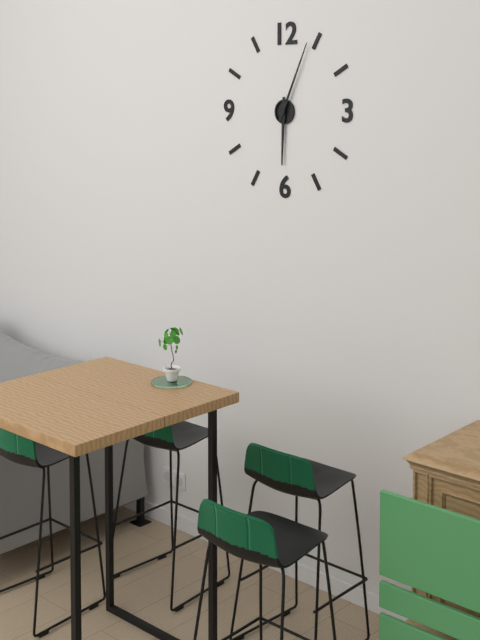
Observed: 6:04
